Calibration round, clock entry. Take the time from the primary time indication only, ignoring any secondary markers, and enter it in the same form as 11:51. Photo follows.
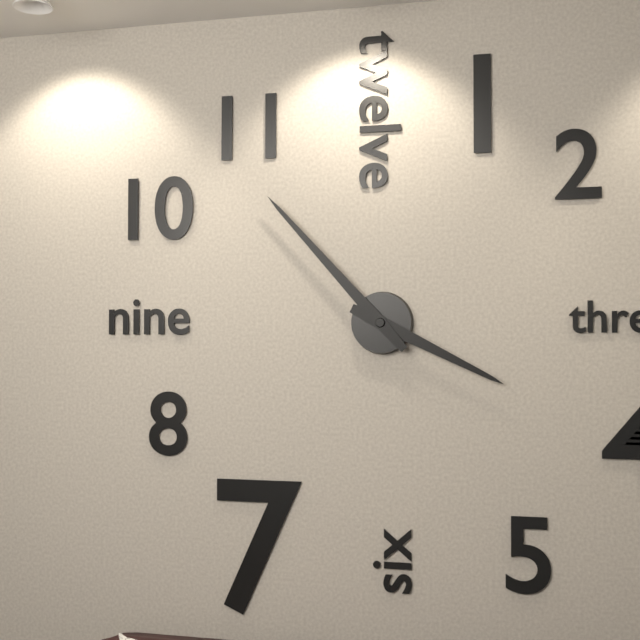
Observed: 3:53
